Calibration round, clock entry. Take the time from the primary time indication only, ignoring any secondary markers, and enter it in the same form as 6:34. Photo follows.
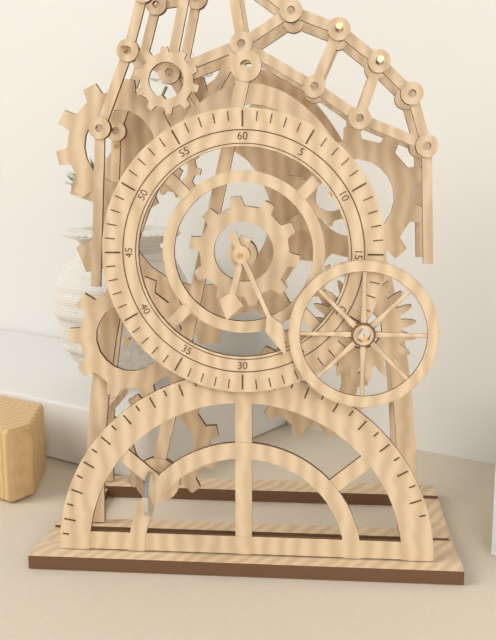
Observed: 6:26
